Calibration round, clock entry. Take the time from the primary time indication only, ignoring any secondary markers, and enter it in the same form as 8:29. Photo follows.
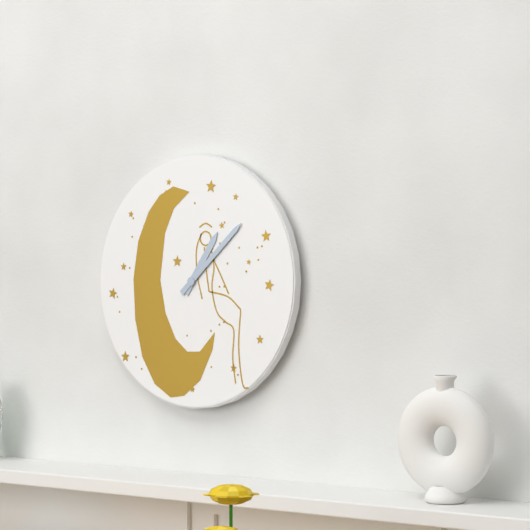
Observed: 1:08
